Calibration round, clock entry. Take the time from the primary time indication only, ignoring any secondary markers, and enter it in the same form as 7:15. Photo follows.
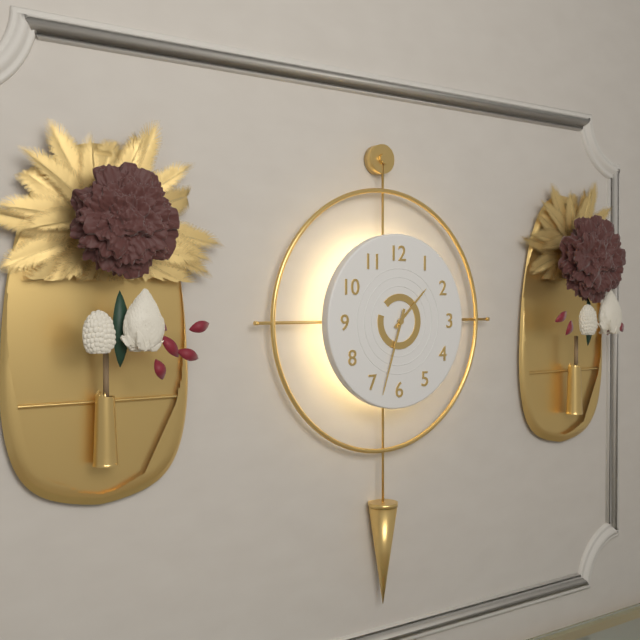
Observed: 1:33
